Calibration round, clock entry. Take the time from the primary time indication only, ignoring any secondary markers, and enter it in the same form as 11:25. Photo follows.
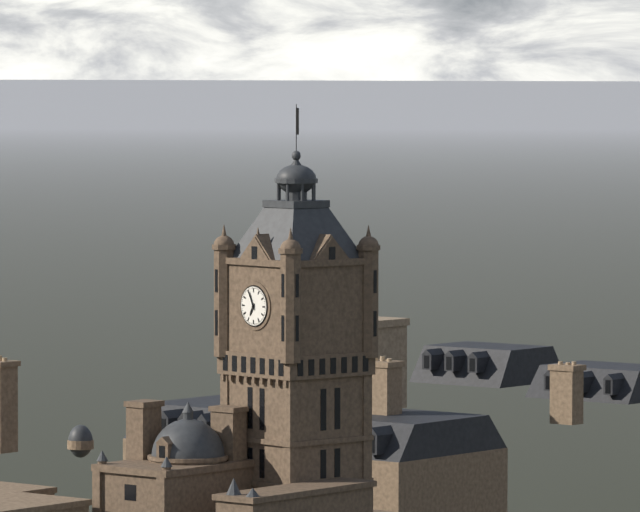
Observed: 6:56
